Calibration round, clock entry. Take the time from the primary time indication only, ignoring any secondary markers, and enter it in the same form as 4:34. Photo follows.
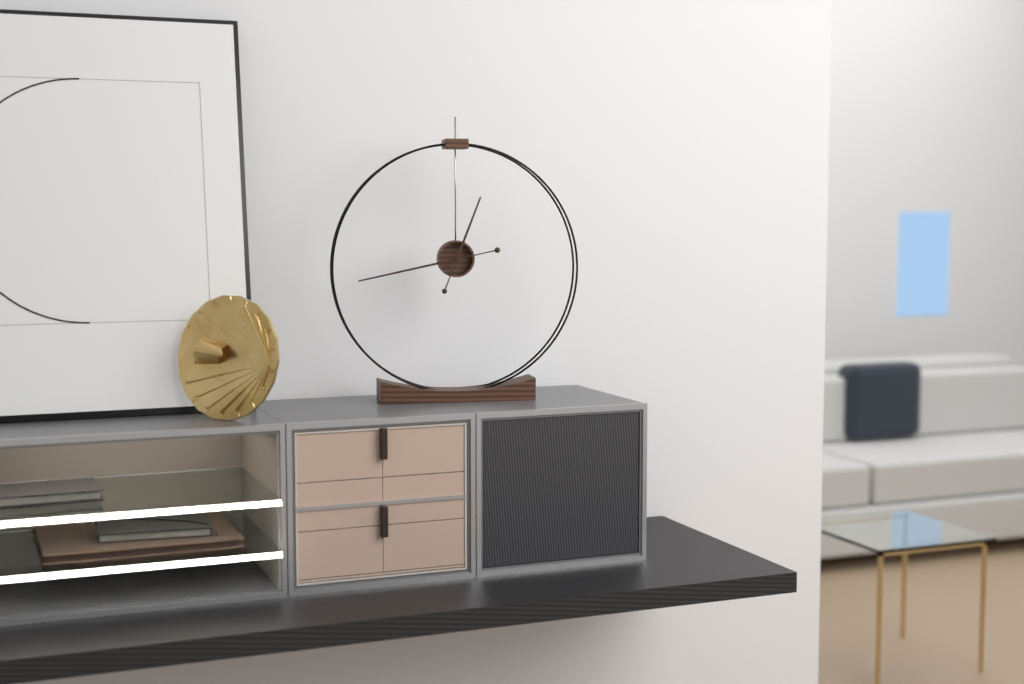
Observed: 12:43
